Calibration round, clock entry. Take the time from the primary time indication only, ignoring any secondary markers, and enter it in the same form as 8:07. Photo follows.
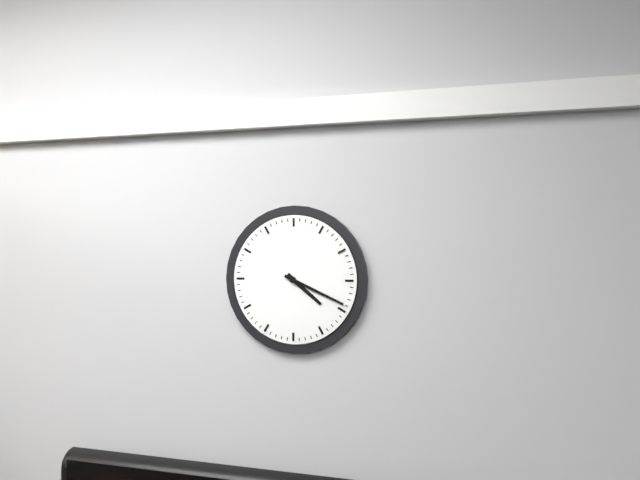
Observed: 4:19
